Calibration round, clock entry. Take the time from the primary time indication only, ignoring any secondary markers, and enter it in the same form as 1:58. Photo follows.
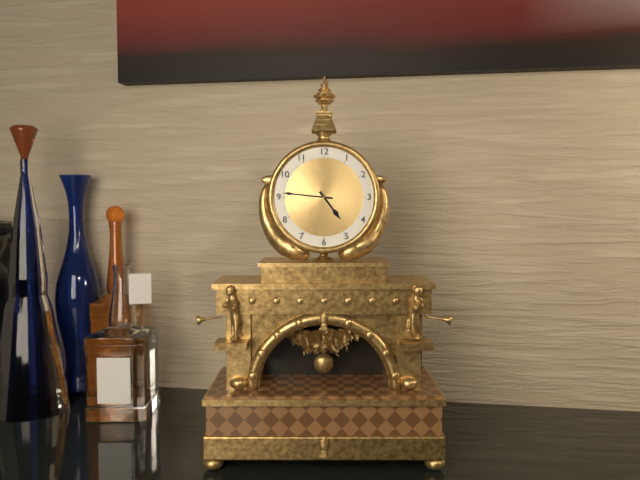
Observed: 4:46
